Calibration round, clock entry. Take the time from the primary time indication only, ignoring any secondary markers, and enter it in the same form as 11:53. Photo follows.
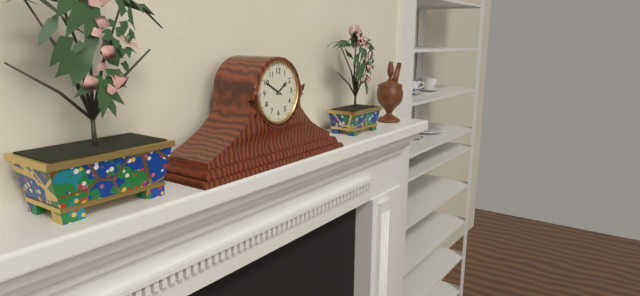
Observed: 1:50
